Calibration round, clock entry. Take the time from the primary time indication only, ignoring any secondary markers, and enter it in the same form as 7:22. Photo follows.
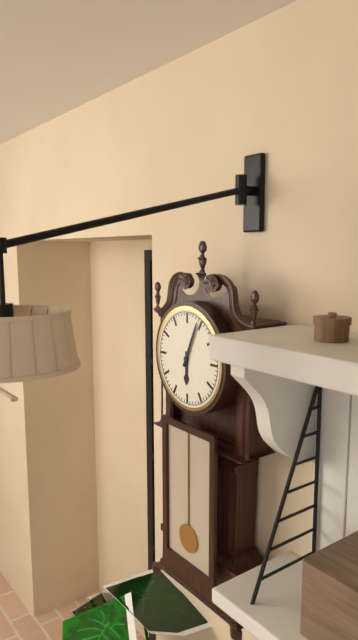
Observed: 6:04
